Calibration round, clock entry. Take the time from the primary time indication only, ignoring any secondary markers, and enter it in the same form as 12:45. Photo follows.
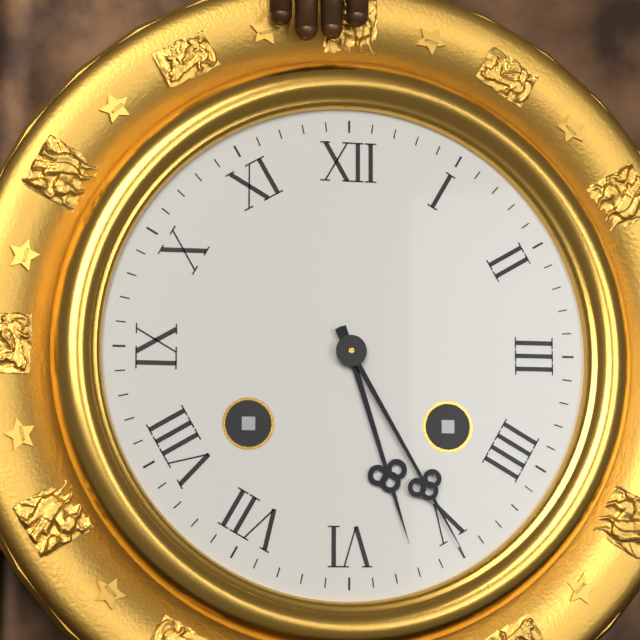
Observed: 5:25
